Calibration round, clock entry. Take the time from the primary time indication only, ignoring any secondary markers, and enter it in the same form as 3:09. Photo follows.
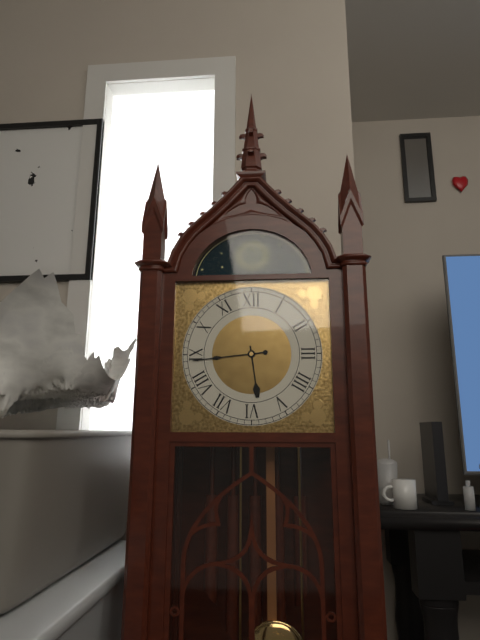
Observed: 5:44
